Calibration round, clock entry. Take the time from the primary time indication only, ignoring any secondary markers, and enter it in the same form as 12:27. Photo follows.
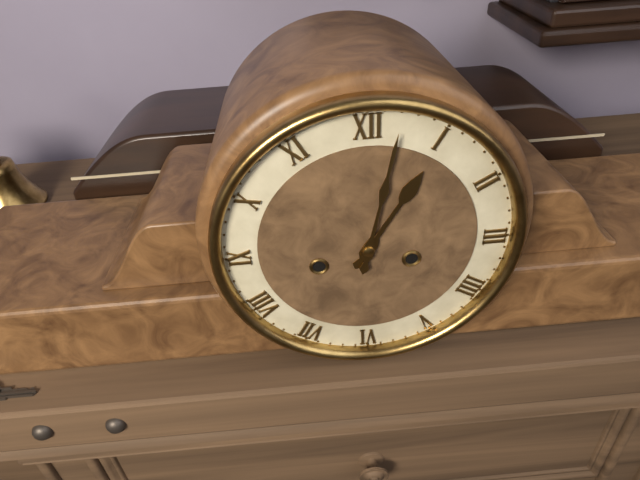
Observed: 1:02
